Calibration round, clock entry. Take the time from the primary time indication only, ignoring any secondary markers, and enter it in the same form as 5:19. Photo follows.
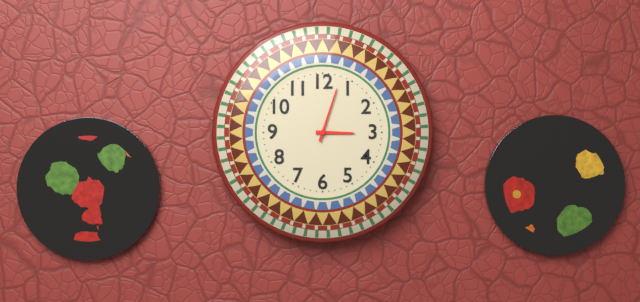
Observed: 3:03
